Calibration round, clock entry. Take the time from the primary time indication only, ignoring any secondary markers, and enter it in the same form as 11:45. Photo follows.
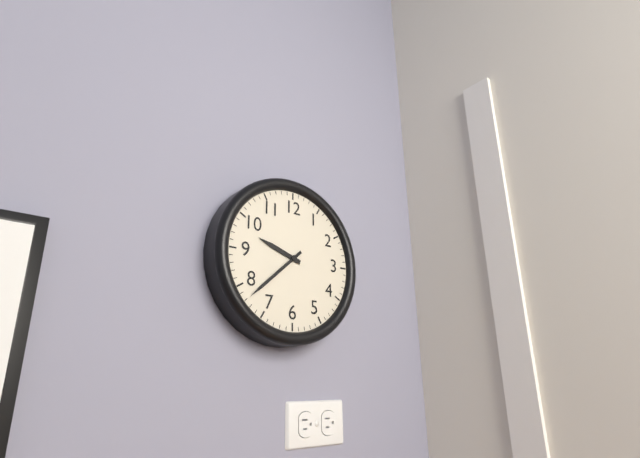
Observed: 9:38
